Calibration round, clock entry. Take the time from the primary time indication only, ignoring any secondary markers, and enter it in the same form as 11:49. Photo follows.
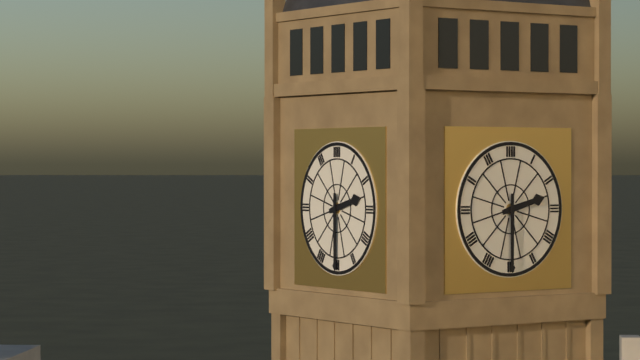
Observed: 2:30
